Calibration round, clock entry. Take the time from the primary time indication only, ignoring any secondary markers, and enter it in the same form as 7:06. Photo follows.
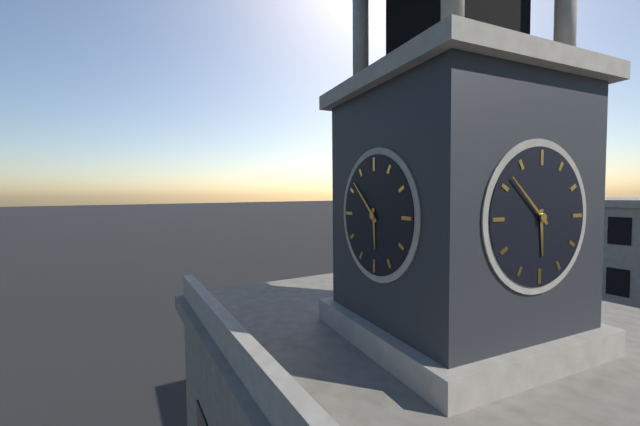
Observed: 5:52
